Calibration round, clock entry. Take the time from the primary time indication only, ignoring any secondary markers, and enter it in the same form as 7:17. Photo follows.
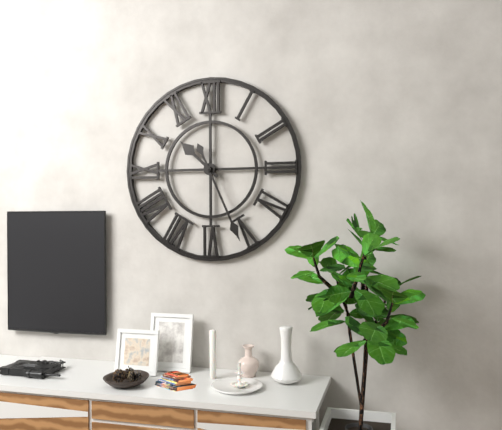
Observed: 10:26
